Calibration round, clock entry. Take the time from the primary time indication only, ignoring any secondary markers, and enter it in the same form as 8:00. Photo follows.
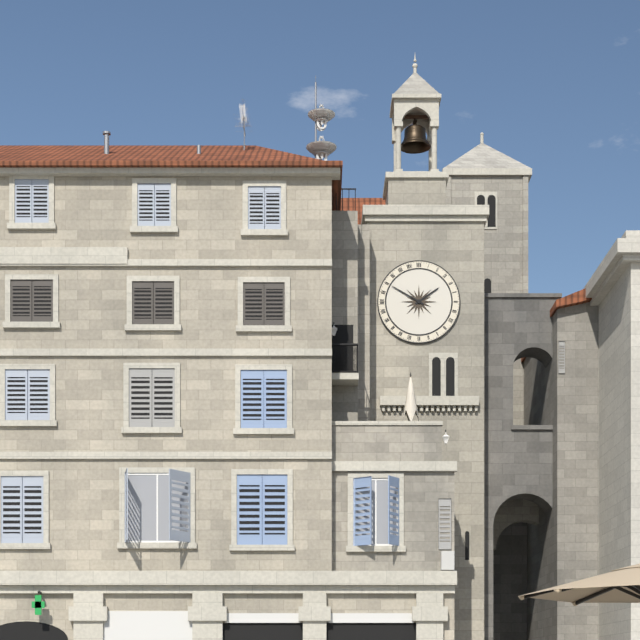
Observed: 1:50
